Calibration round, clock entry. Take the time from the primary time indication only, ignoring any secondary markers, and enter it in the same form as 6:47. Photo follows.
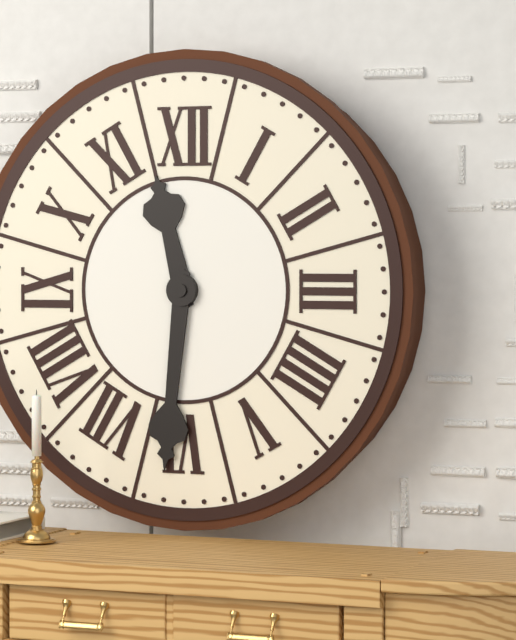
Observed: 11:31
